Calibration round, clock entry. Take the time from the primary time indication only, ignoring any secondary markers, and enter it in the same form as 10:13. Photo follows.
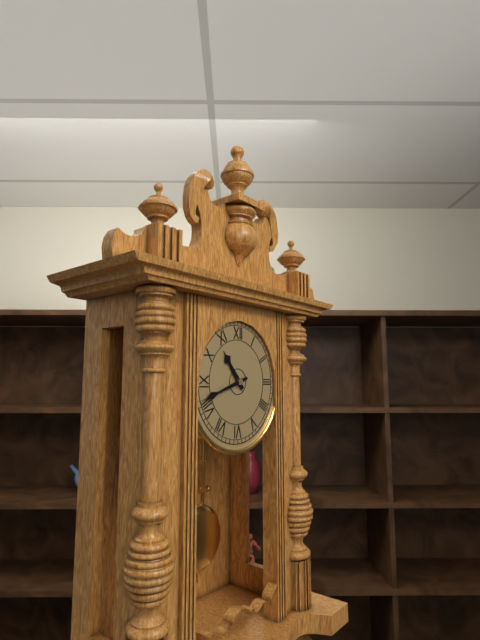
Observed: 10:42
